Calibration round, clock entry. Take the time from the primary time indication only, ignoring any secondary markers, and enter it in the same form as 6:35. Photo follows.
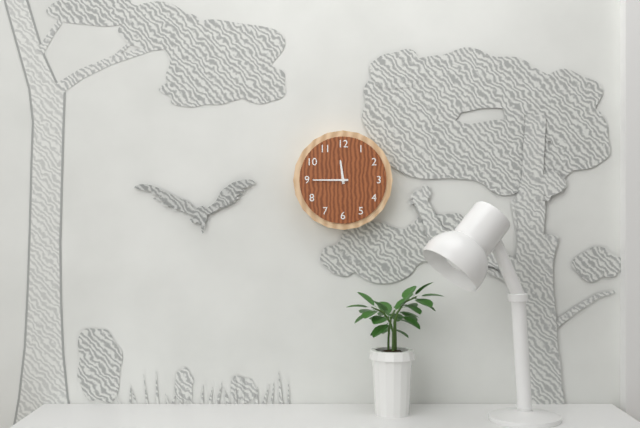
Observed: 11:45
